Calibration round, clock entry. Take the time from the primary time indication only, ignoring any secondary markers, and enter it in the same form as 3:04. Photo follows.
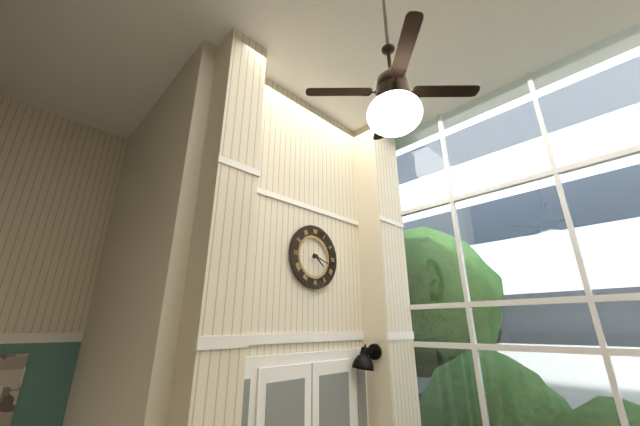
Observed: 4:18
